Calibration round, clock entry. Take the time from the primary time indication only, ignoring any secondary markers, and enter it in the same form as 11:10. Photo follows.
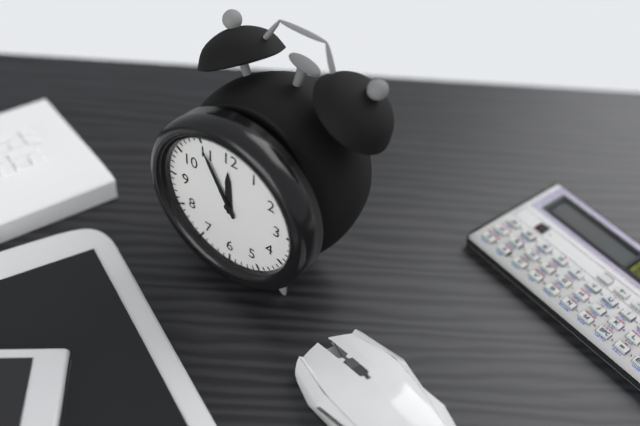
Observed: 11:55
